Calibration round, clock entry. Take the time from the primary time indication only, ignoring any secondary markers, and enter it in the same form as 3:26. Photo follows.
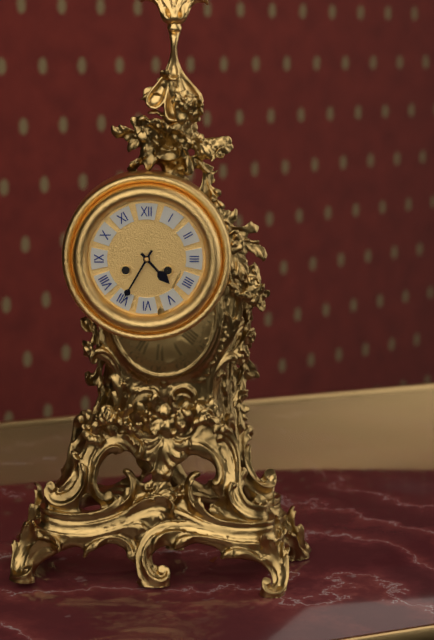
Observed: 4:35
